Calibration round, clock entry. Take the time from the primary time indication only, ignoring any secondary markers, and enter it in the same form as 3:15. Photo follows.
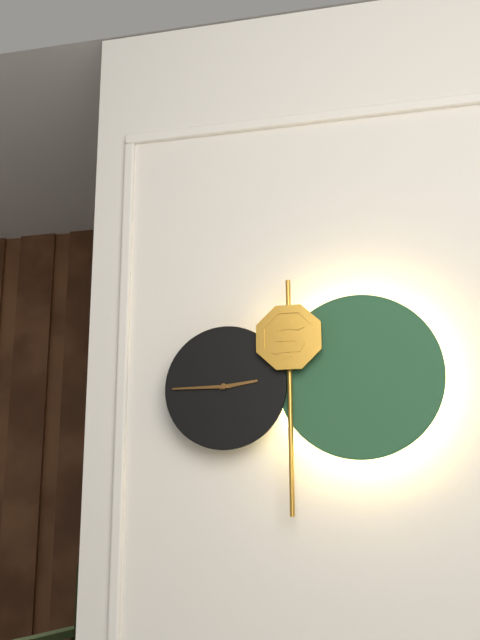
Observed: 2:45
